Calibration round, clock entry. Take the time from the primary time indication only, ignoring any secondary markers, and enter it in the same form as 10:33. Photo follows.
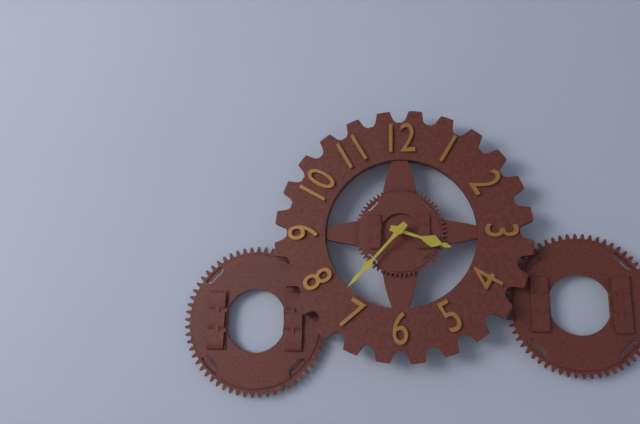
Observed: 3:37
